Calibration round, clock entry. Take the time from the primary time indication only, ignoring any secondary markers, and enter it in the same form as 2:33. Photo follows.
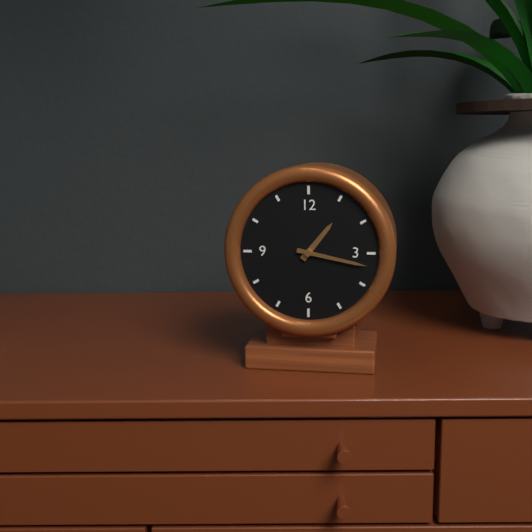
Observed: 1:17
